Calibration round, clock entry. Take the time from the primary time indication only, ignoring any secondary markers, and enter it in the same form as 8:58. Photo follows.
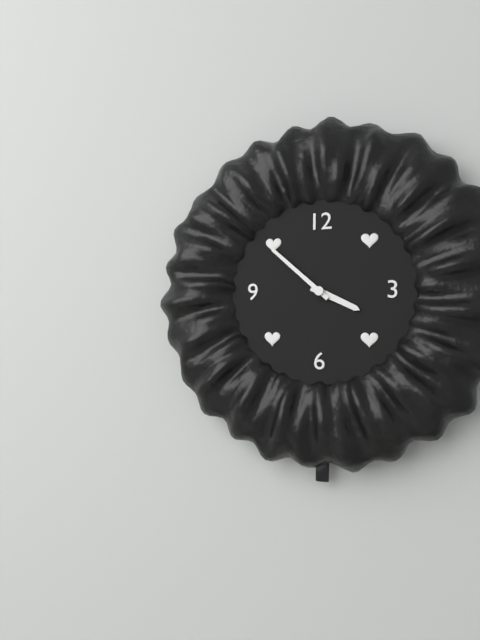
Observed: 3:52
